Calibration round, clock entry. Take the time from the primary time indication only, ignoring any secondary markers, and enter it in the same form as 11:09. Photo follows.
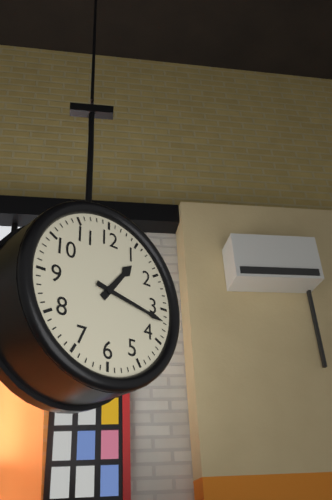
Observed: 1:17
